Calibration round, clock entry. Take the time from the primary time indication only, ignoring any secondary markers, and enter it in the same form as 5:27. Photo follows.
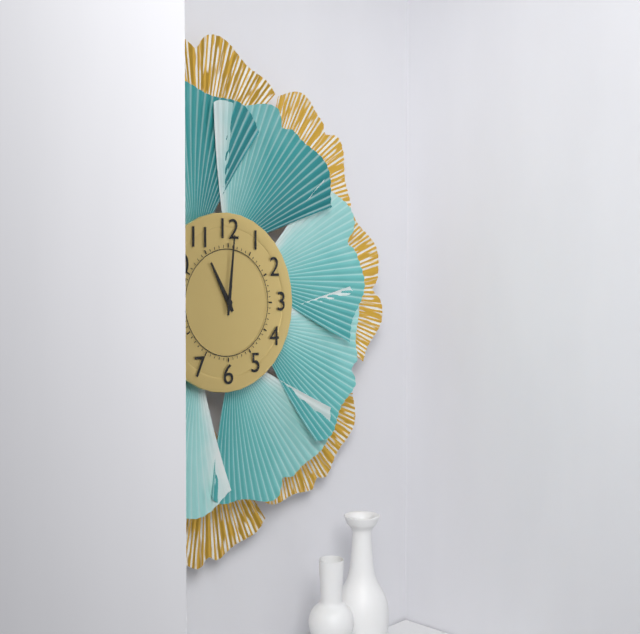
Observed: 11:01
